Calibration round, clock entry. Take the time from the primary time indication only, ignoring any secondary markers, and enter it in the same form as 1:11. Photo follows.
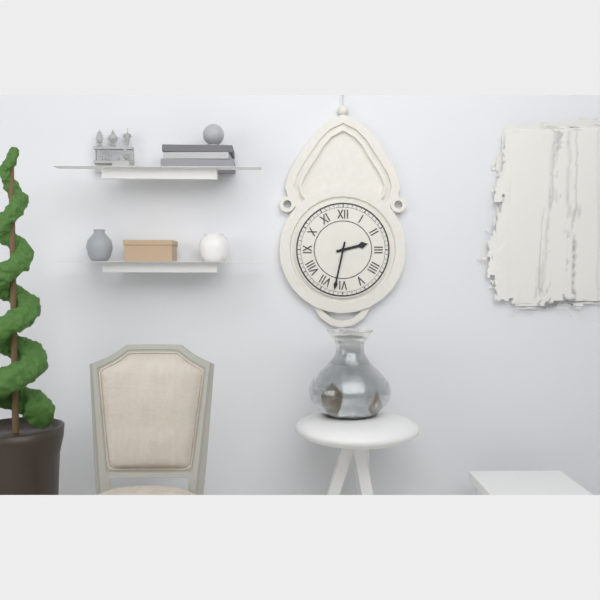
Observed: 2:32
